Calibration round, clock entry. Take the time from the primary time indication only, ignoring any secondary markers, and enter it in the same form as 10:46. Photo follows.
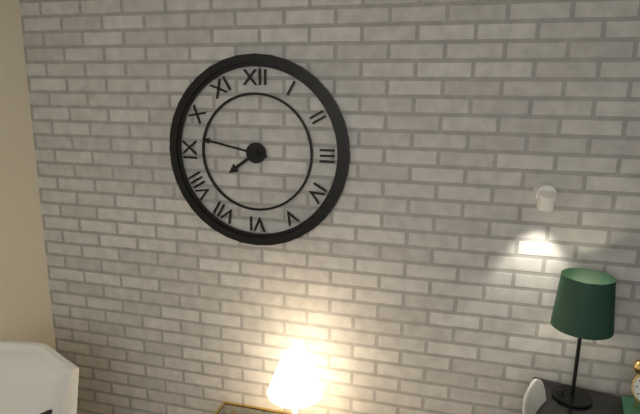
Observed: 7:47
